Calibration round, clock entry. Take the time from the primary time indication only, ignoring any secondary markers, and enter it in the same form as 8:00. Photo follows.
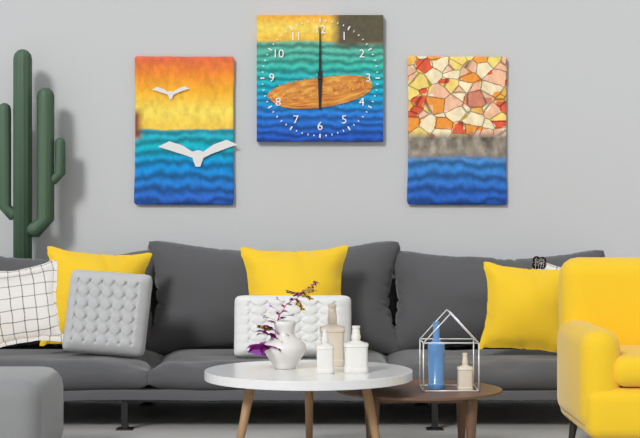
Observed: 6:00
